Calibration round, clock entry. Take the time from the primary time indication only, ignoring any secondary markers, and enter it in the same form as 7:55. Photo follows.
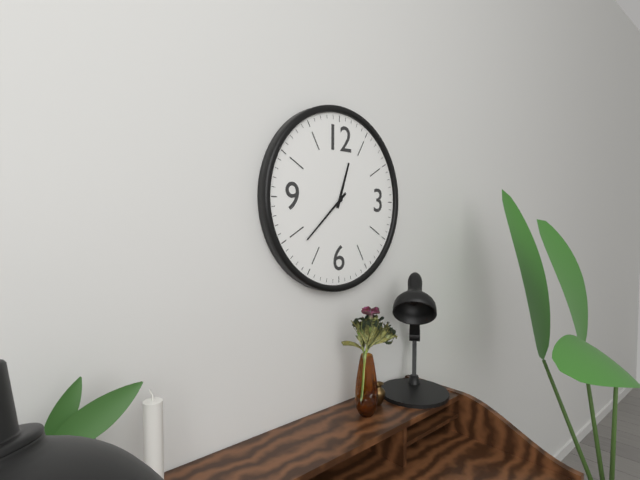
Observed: 12:38
